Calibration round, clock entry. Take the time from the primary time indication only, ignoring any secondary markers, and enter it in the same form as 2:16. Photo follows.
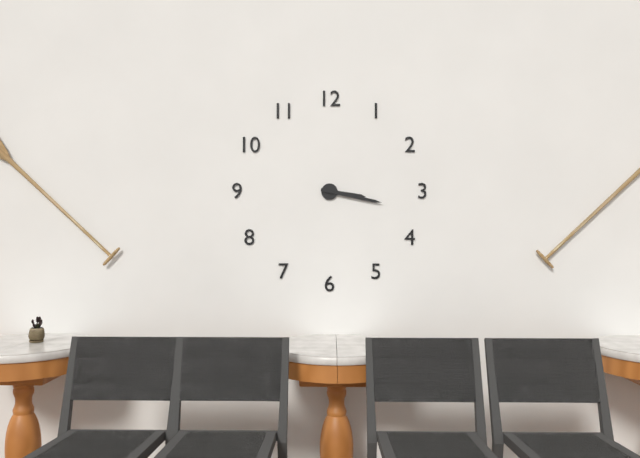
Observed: 3:17
